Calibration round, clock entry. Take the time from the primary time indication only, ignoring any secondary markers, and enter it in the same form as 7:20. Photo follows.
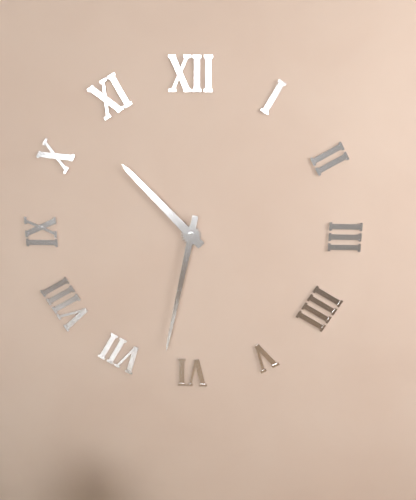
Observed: 10:32
